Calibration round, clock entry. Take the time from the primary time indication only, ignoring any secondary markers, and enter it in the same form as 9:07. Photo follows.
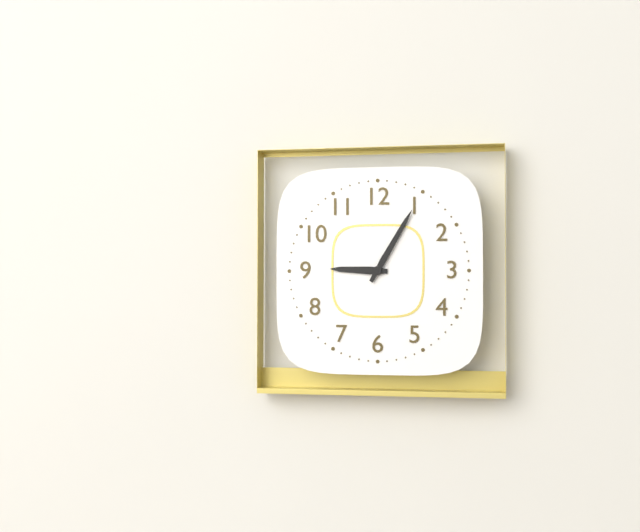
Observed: 9:05
